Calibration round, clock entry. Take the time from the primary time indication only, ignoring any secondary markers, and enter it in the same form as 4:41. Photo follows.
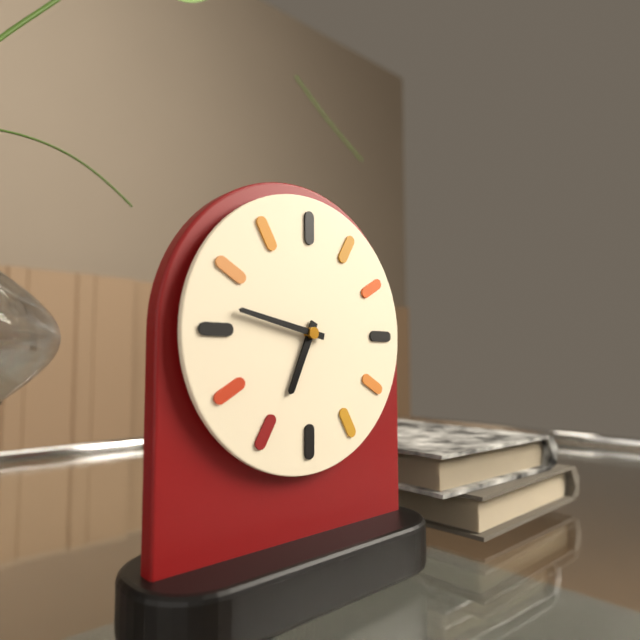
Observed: 6:47
